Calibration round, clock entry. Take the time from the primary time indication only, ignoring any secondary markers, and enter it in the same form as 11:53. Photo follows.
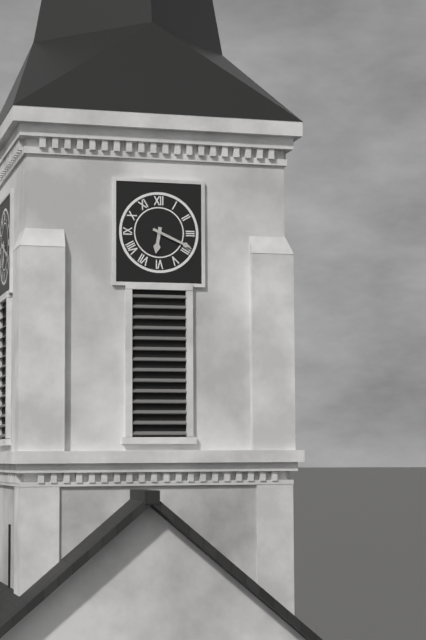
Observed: 6:19
